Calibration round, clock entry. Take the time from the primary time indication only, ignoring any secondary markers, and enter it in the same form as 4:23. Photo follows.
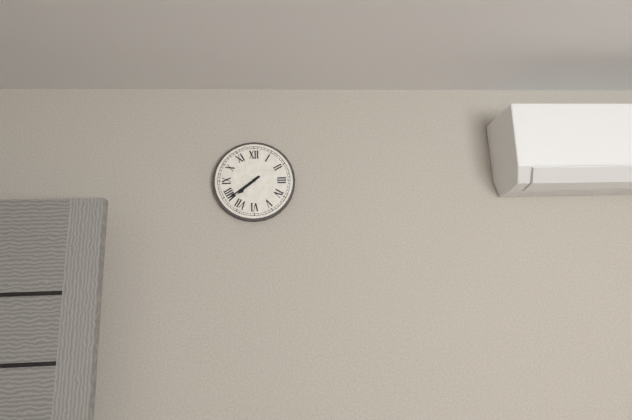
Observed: 7:39
